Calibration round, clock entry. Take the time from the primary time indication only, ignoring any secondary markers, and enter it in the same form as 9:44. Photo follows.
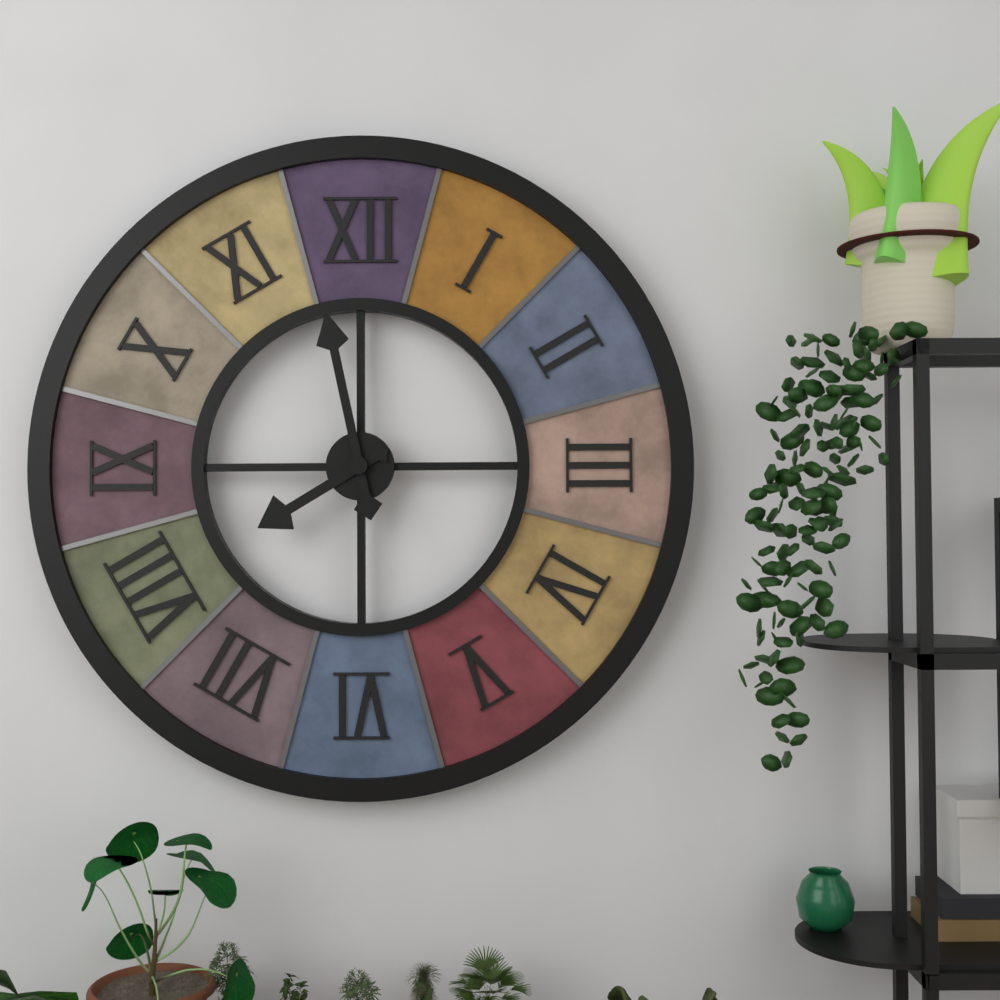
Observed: 7:58
